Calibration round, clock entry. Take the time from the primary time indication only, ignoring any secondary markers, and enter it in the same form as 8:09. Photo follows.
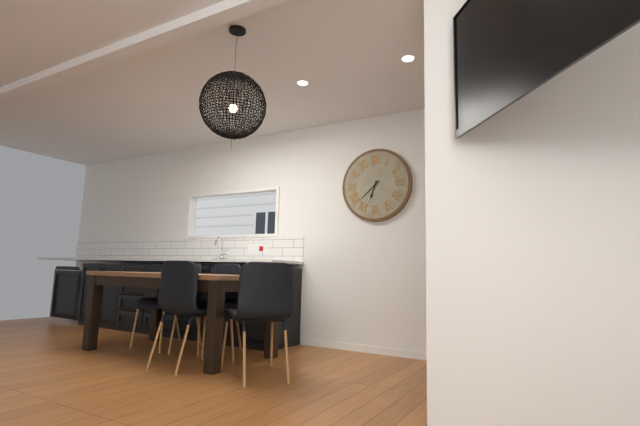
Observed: 6:38
